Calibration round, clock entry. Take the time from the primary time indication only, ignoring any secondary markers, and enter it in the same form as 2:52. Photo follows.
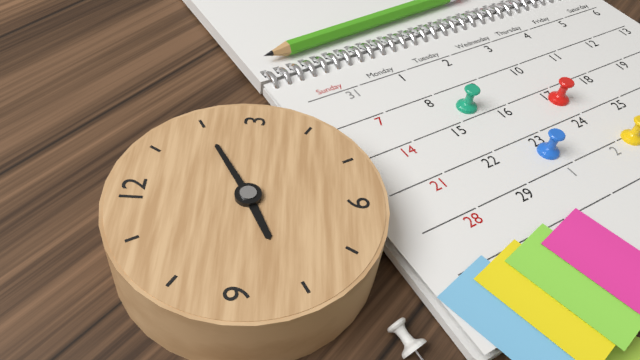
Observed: 8:10
